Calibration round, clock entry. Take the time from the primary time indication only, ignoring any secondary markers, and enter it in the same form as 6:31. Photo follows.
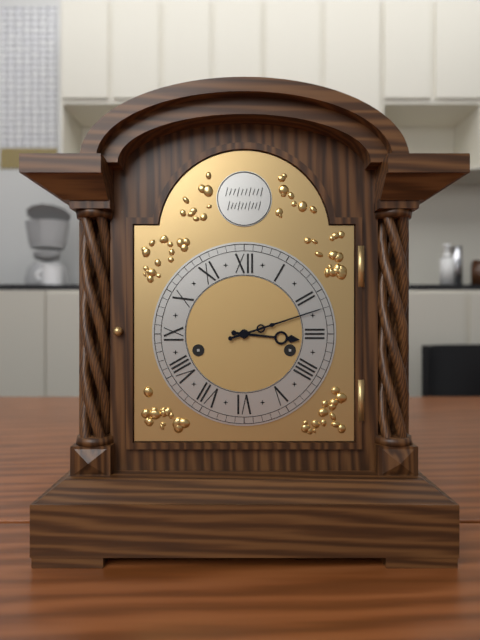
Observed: 3:12
